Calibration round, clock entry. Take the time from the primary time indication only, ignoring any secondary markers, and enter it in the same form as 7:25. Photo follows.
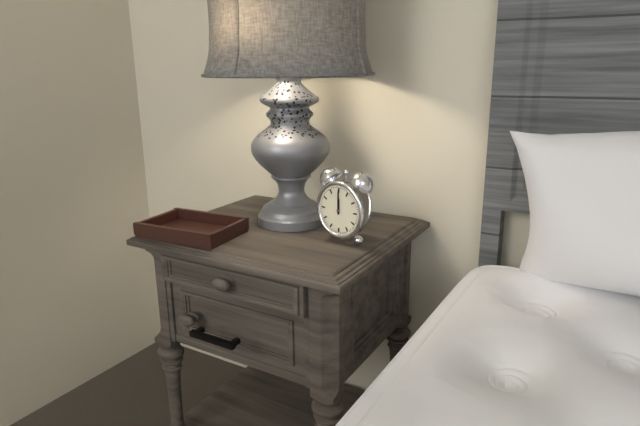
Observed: 12:00
